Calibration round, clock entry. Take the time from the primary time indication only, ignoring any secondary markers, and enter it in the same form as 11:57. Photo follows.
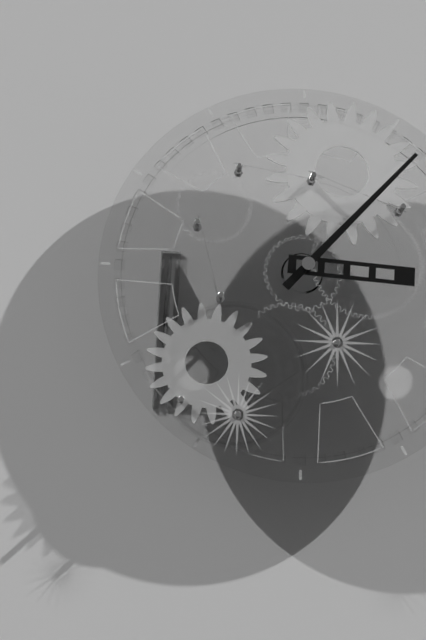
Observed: 3:07
